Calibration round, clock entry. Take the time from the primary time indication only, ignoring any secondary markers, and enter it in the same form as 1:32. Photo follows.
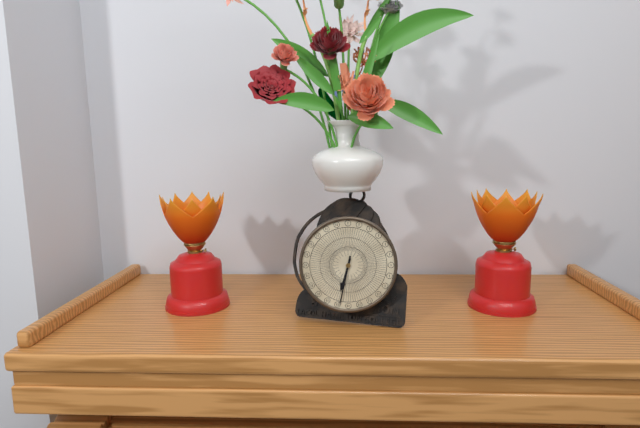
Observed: 6:32
